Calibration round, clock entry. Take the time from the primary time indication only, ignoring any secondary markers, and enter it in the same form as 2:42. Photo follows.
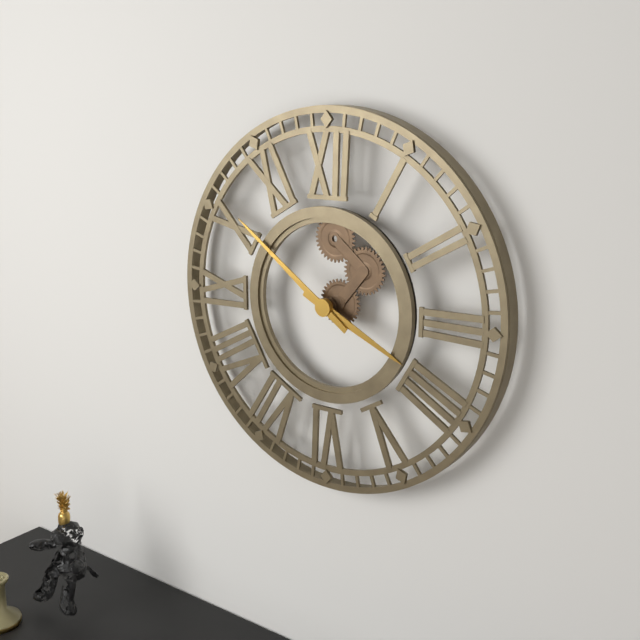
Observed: 3:51
